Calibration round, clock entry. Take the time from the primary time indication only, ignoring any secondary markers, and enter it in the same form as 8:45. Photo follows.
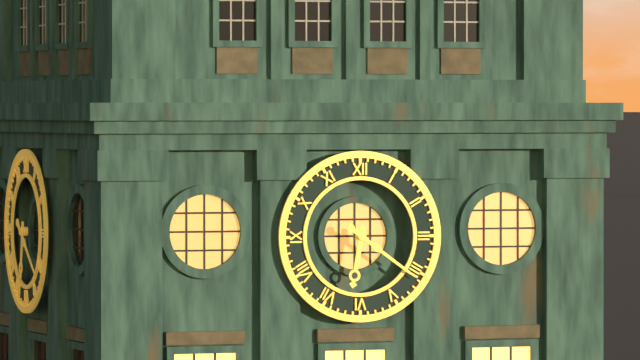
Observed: 6:21
